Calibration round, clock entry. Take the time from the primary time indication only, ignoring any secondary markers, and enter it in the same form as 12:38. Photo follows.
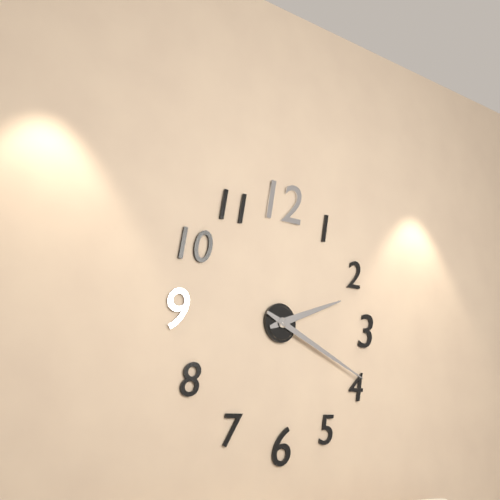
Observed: 2:19
